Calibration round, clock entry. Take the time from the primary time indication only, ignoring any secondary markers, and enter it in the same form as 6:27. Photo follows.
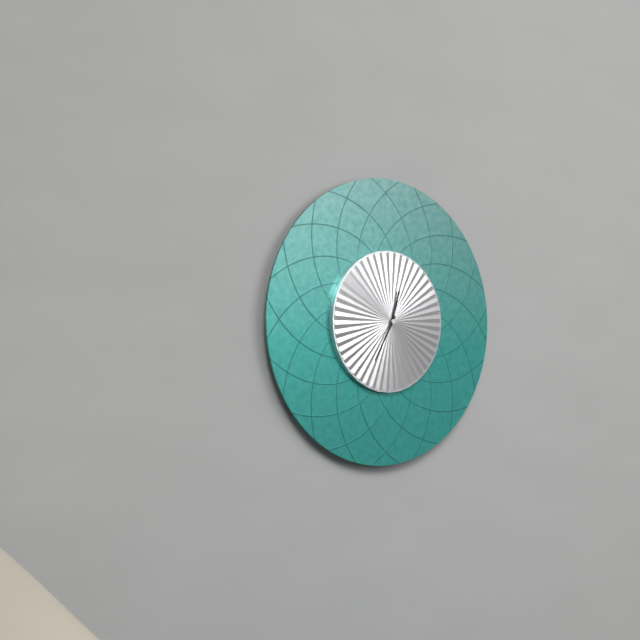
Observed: 12:35
